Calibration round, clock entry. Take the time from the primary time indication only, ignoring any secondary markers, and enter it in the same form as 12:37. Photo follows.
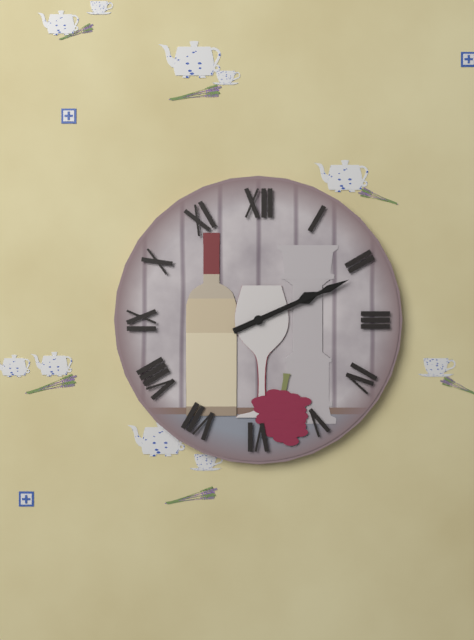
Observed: 2:11
